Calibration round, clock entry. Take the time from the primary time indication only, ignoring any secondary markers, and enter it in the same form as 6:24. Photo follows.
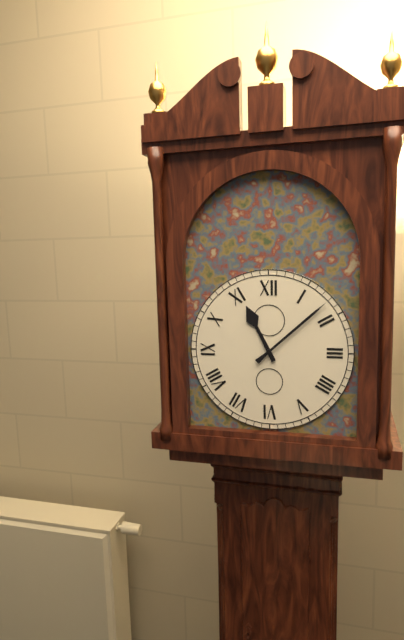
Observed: 11:08
